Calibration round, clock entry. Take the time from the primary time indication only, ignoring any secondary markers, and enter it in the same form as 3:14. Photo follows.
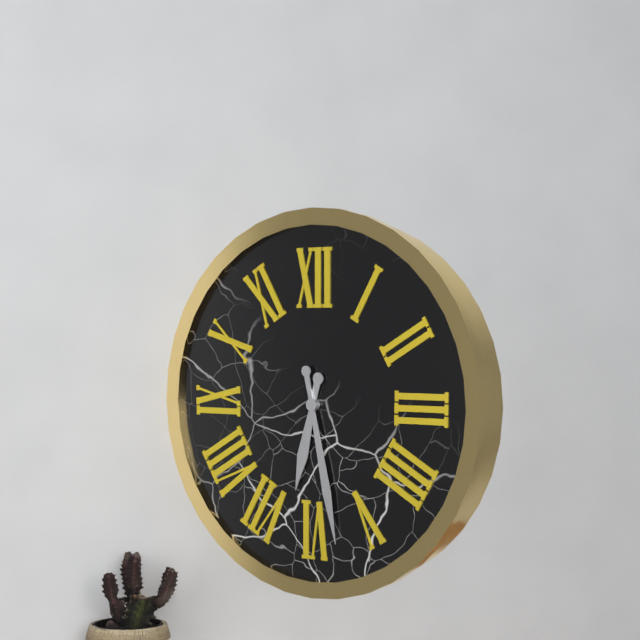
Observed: 6:28
